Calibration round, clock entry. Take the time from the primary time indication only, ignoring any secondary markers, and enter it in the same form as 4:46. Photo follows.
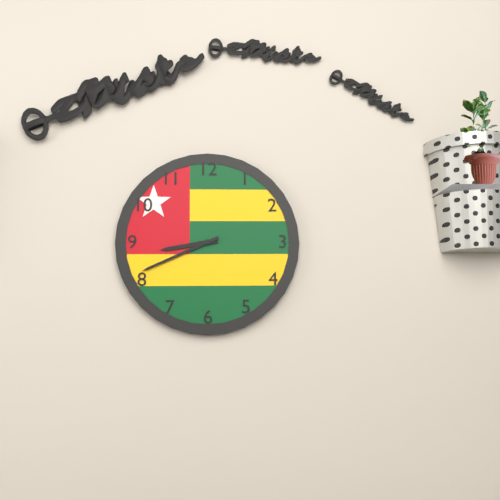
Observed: 8:41
